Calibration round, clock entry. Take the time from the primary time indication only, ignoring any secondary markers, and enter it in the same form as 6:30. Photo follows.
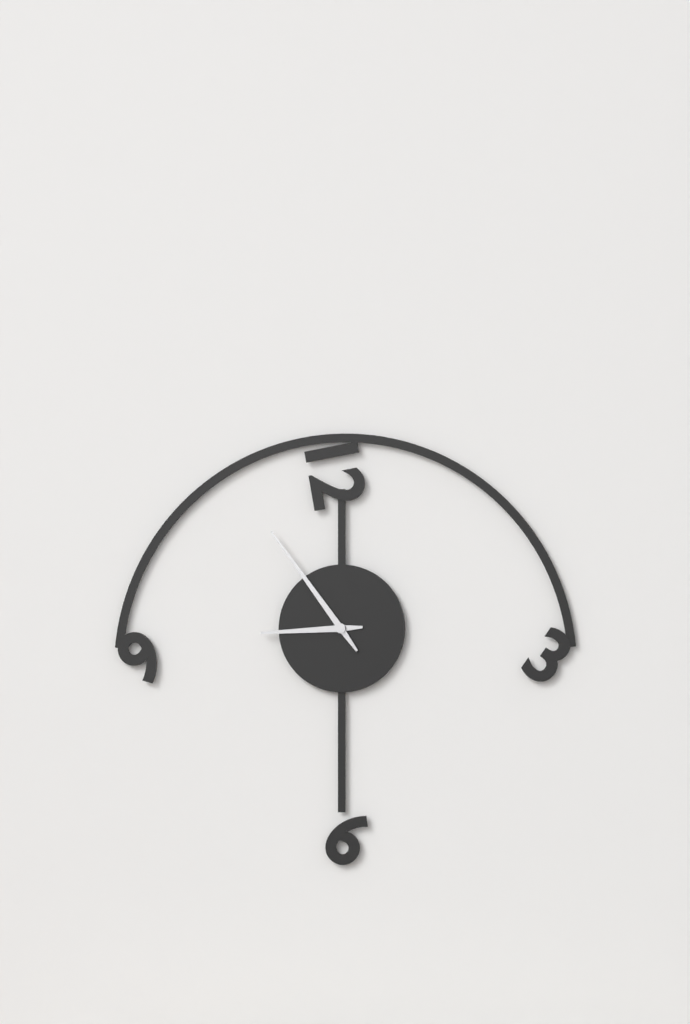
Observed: 8:54
